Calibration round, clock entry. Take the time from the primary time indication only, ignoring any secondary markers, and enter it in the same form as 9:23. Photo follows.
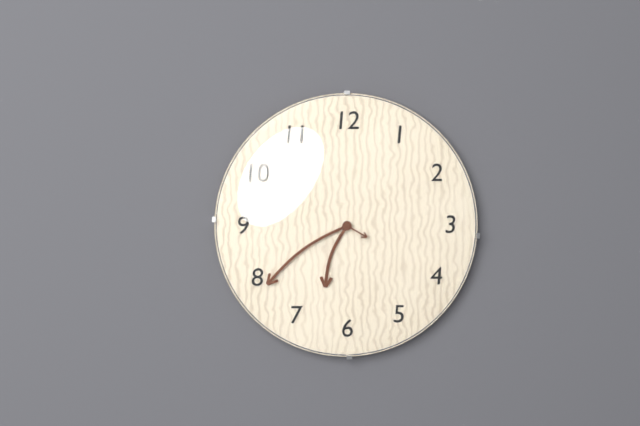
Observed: 6:39
